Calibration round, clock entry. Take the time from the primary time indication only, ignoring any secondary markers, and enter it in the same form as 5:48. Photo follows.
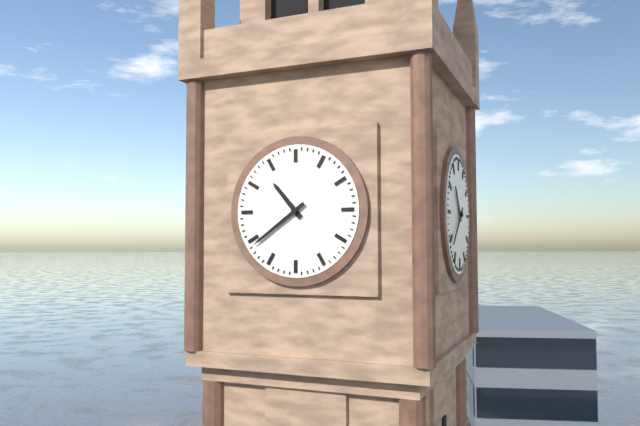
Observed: 10:39
